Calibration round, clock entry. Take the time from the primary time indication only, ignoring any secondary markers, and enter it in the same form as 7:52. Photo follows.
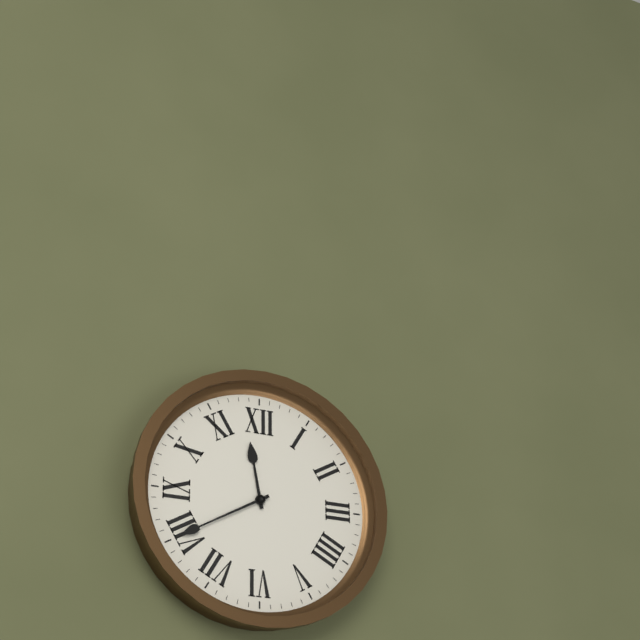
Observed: 11:40
